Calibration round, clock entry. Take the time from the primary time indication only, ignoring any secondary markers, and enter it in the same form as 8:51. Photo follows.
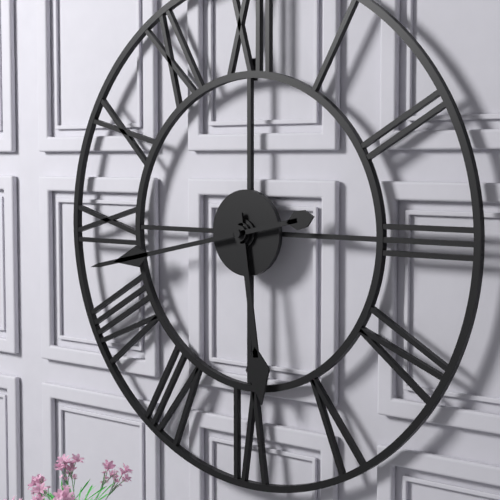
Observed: 5:43
